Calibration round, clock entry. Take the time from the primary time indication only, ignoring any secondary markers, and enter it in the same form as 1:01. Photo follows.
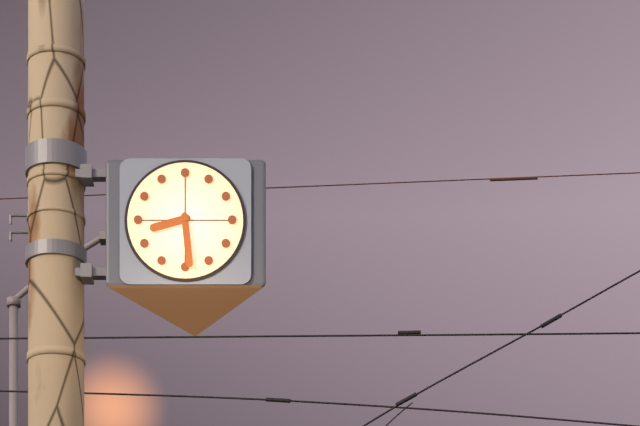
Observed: 8:29
